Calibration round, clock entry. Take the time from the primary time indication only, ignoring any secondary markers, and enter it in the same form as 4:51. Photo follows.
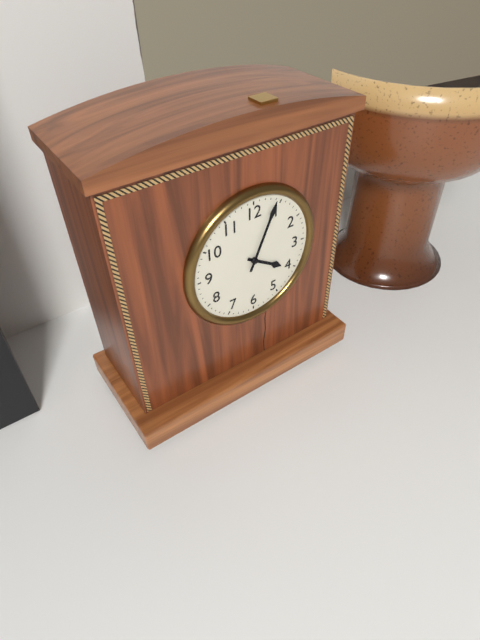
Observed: 4:04
